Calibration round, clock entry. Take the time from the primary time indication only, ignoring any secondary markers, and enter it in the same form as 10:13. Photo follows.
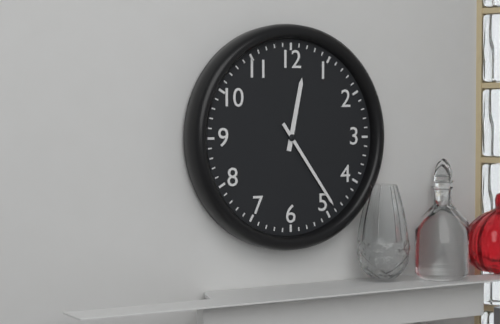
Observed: 12:24
